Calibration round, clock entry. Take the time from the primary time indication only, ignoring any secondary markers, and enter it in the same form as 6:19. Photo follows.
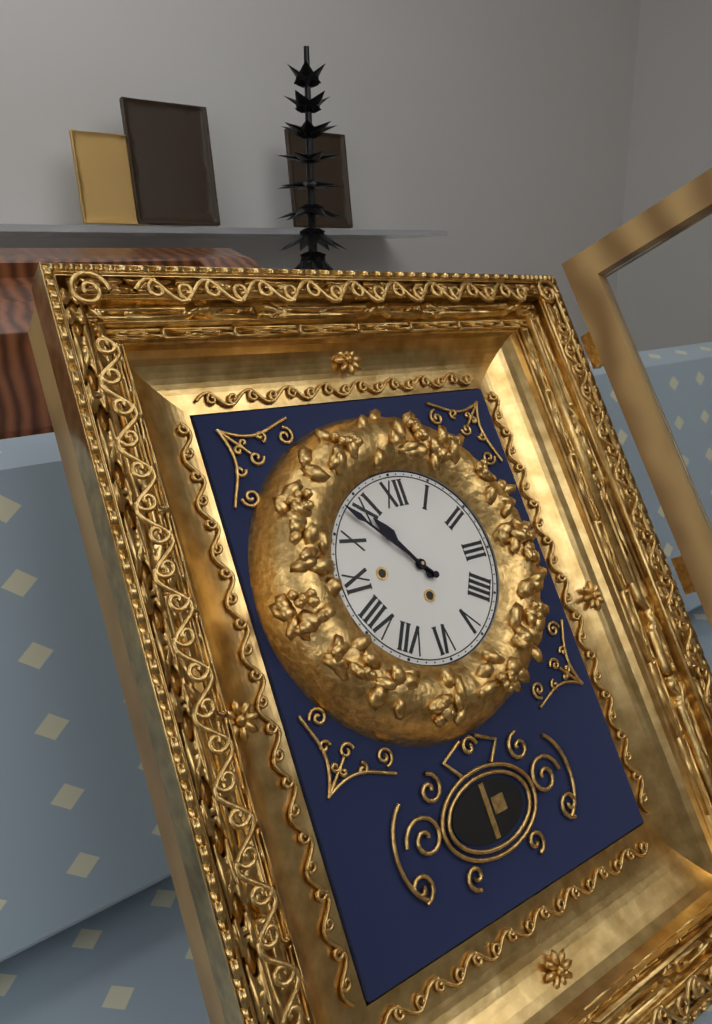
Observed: 10:53
